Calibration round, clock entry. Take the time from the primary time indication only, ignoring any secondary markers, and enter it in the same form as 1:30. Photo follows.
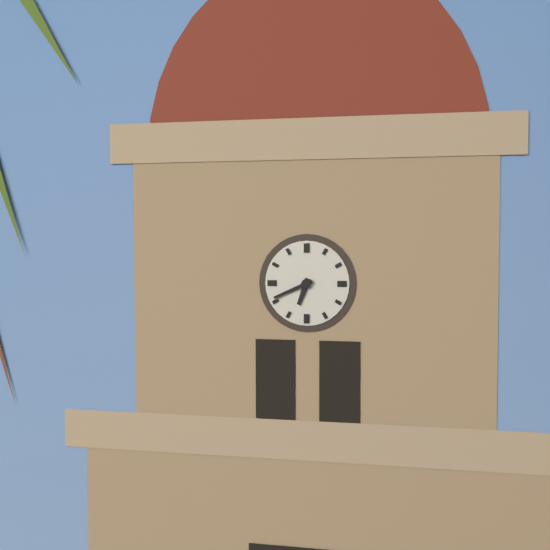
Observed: 6:41
